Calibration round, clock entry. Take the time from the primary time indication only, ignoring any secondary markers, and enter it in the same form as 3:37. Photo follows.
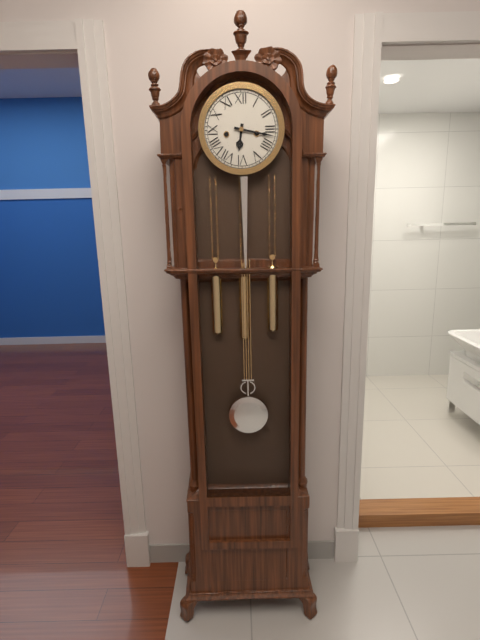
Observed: 6:17
